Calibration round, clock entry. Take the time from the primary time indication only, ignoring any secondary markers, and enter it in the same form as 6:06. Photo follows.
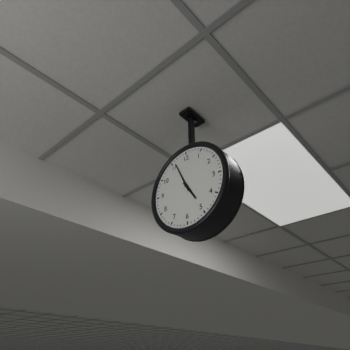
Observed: 4:56
